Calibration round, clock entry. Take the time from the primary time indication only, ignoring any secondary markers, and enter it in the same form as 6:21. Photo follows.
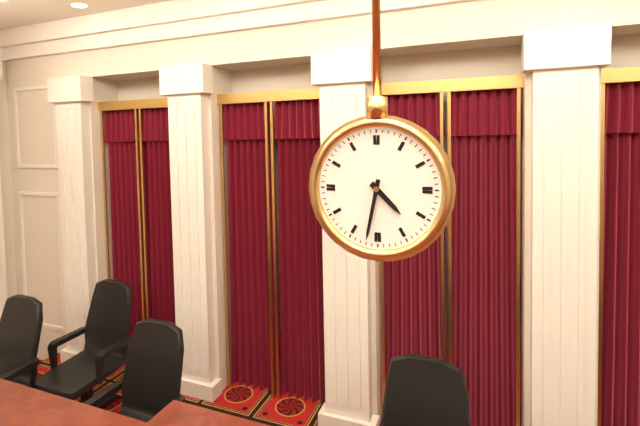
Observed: 4:32
